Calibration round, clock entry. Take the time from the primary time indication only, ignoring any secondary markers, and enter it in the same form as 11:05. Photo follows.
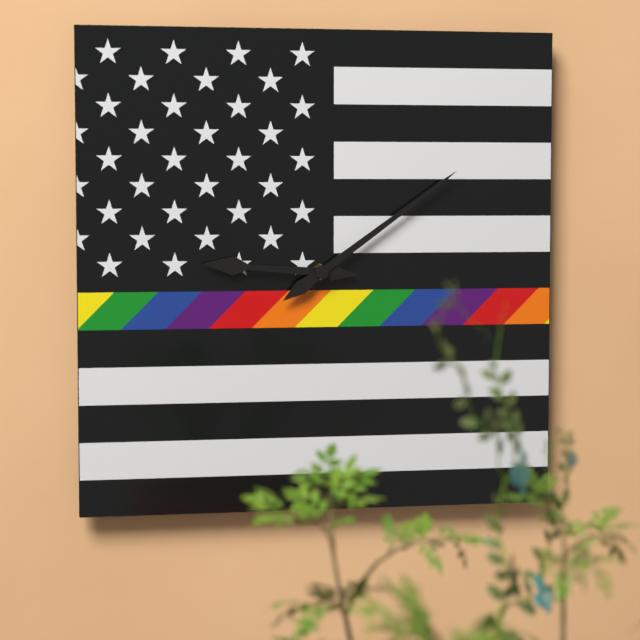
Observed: 9:09
